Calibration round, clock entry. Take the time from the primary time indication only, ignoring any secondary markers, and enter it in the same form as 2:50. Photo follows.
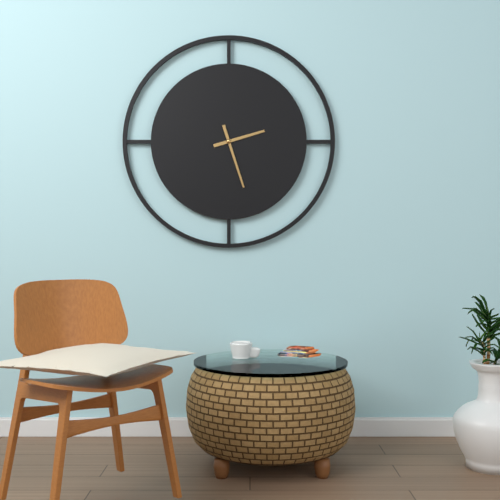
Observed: 2:27
